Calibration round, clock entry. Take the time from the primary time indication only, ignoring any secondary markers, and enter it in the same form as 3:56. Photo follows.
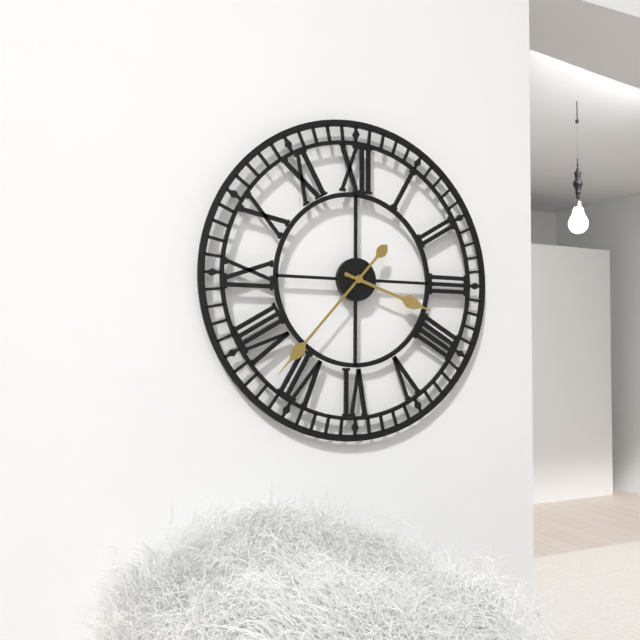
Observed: 3:37
